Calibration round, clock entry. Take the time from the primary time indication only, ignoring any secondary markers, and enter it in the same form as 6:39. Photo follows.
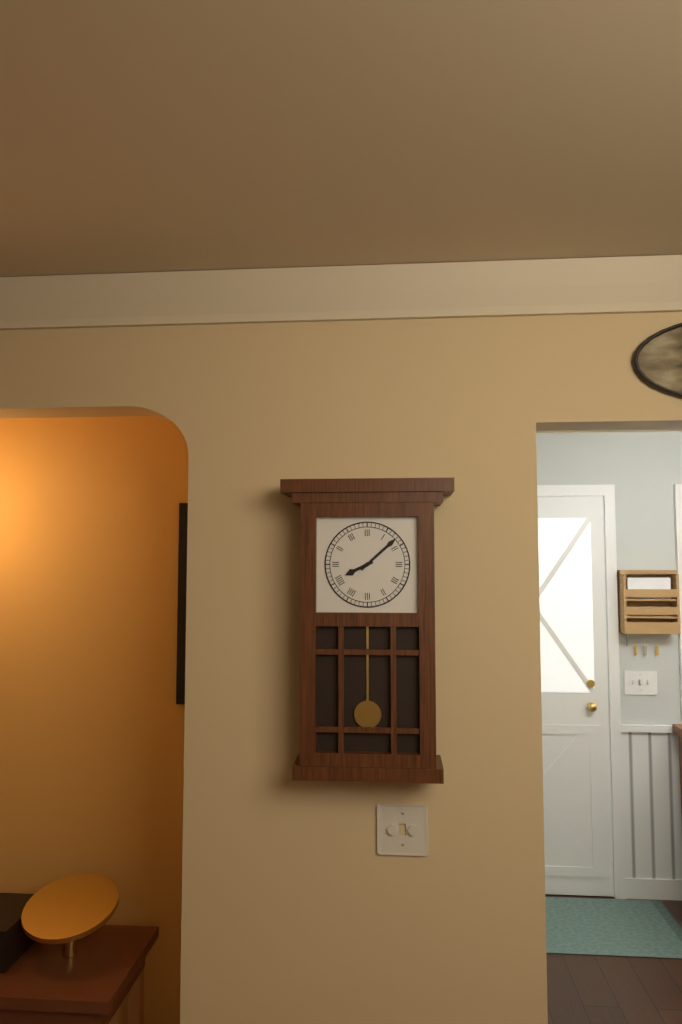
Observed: 8:08
